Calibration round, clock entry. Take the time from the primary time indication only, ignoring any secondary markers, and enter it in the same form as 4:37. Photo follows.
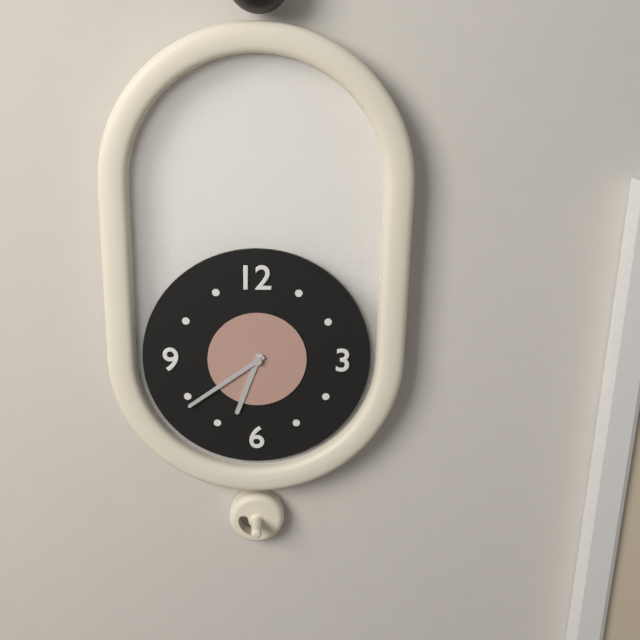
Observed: 6:39
